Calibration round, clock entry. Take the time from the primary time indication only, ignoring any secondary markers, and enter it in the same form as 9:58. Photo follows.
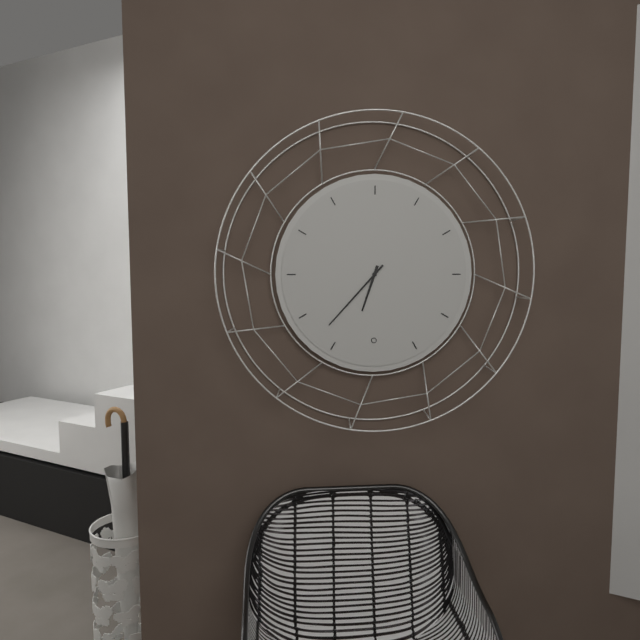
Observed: 6:37
